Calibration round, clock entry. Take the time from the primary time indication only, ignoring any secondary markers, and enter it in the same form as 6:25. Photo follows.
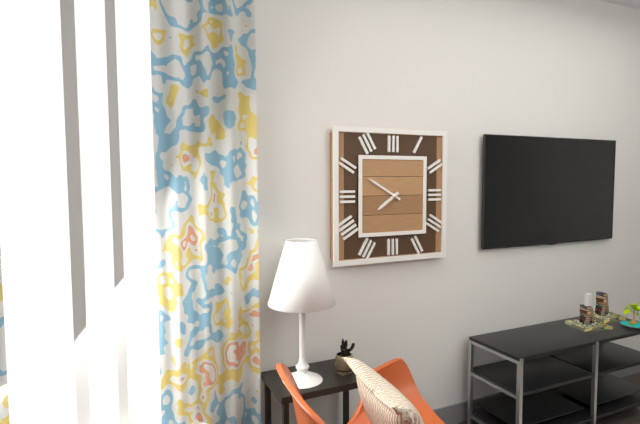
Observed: 7:50
